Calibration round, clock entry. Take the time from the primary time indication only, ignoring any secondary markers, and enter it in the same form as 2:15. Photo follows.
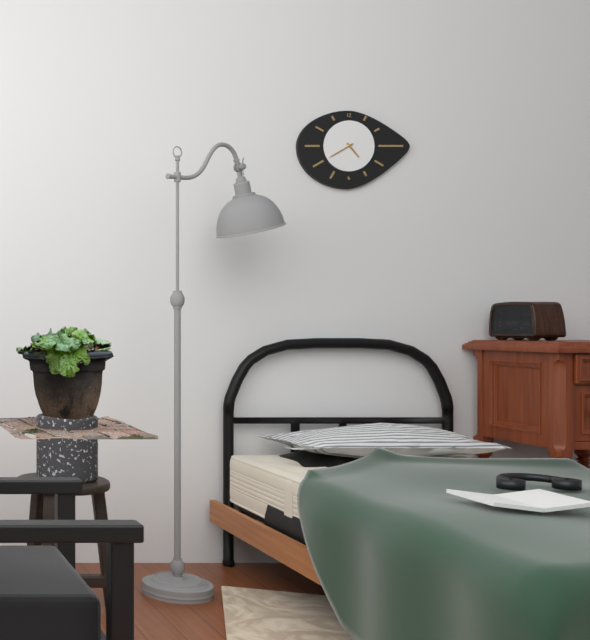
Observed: 4:40
